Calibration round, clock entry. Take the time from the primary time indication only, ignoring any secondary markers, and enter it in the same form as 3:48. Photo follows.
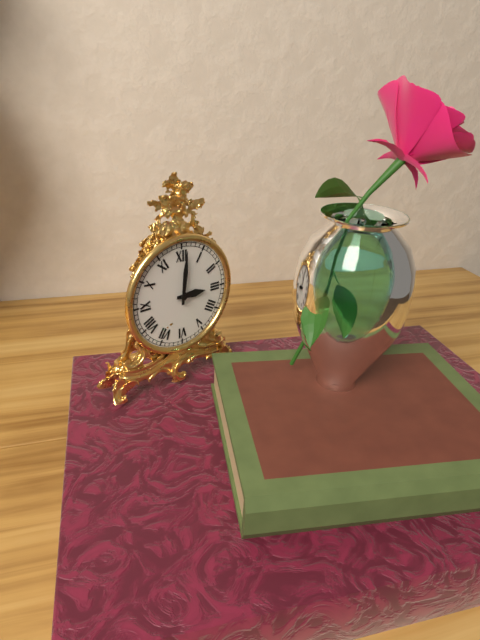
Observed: 3:01
